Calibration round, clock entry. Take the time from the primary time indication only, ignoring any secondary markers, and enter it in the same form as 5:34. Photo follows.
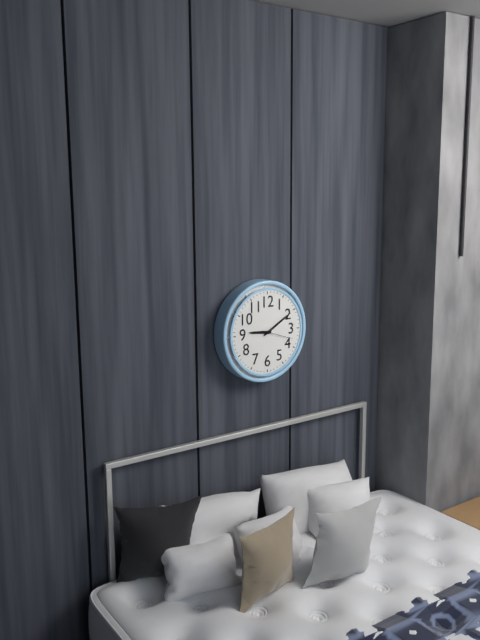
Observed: 9:10
